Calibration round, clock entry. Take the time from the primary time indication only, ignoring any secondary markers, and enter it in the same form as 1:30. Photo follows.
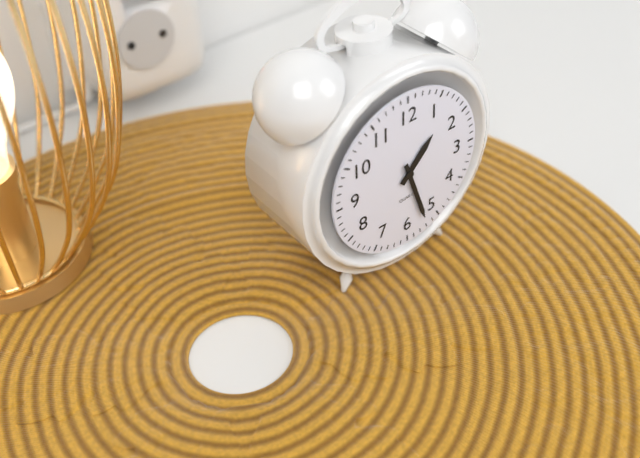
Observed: 1:27
